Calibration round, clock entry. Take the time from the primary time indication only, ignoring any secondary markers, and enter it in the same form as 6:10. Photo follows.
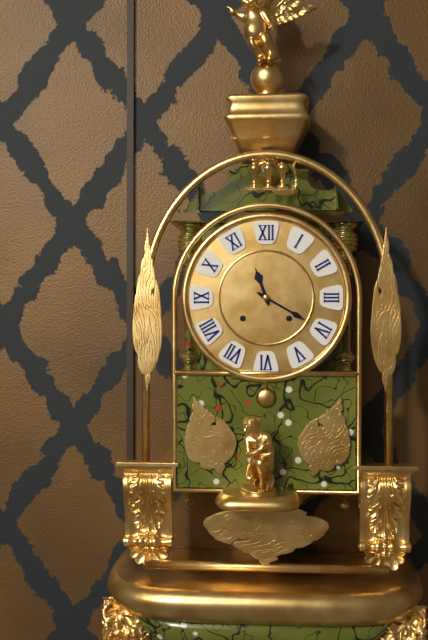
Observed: 11:20
